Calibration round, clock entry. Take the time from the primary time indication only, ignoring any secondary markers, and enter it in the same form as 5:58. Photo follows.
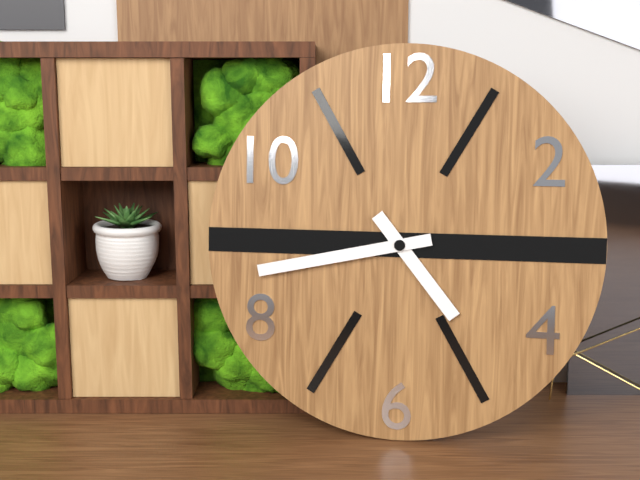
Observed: 4:43
